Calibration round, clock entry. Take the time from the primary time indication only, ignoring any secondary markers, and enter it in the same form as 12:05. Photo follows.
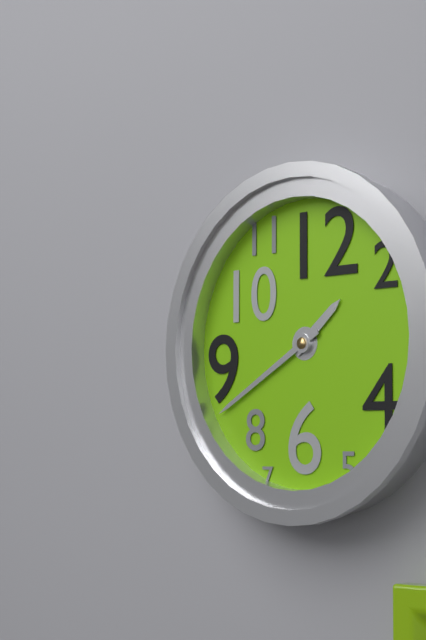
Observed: 1:40
